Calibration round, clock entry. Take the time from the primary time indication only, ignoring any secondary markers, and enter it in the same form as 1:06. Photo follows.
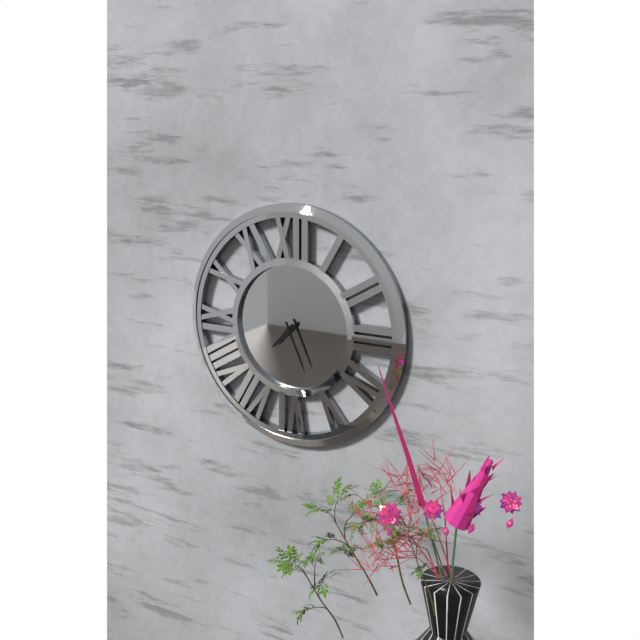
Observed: 7:26
